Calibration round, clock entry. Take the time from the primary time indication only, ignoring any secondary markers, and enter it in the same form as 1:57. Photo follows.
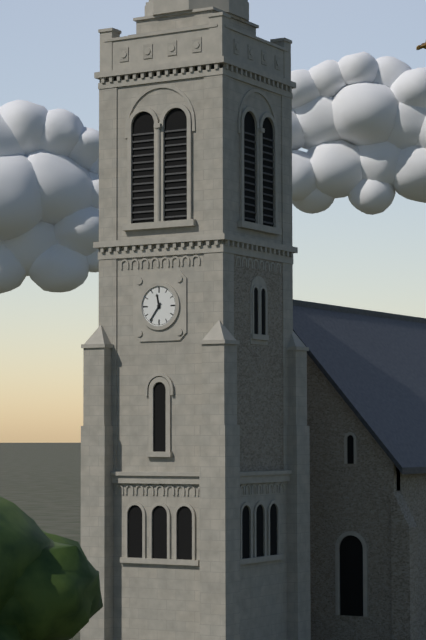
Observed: 11:36
